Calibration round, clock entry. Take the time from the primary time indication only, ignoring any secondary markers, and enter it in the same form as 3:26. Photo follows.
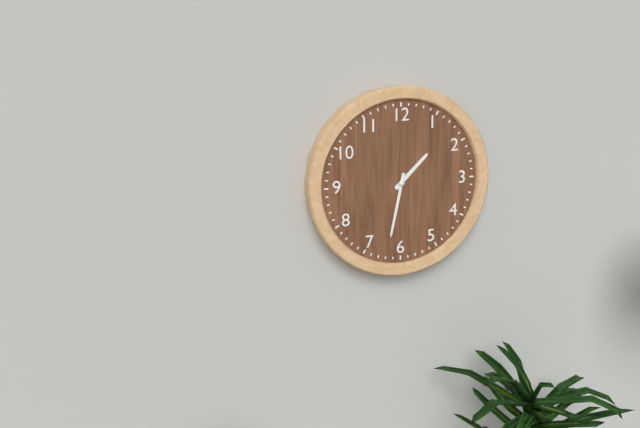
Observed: 1:32
